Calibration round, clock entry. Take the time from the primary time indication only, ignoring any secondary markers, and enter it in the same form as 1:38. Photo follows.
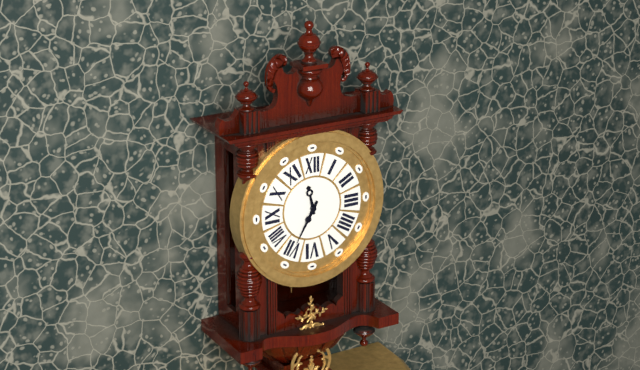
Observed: 11:35
